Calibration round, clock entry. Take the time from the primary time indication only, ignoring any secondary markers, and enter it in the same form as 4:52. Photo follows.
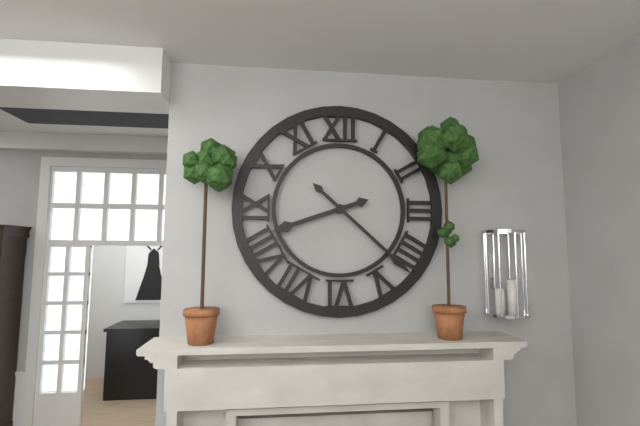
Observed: 8:22
